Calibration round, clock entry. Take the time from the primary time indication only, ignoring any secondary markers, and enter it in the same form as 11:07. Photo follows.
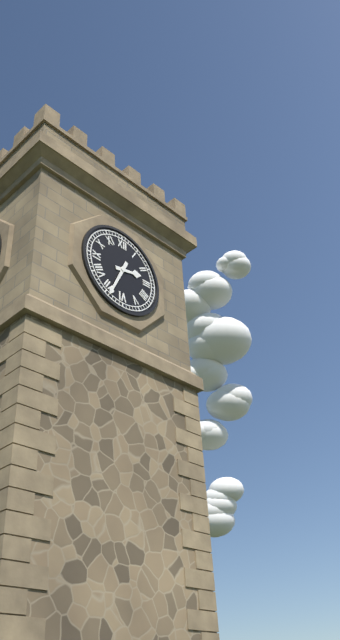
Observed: 2:34
